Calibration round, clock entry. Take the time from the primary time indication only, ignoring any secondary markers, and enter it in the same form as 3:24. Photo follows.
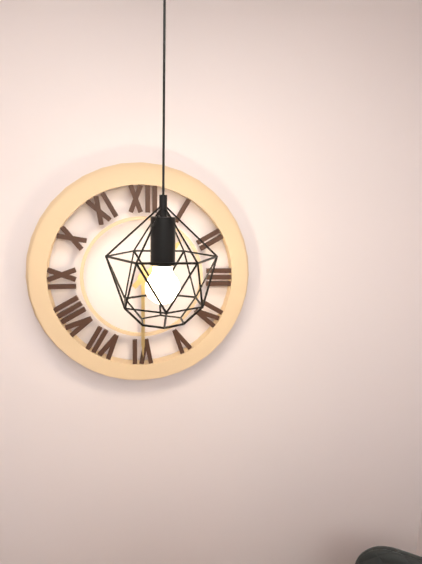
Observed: 1:30
